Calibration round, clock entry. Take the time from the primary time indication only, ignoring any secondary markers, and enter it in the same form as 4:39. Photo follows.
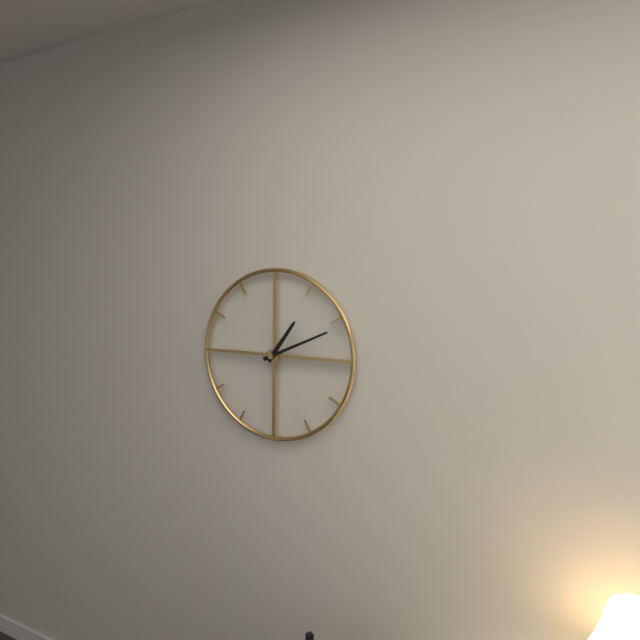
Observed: 1:11
